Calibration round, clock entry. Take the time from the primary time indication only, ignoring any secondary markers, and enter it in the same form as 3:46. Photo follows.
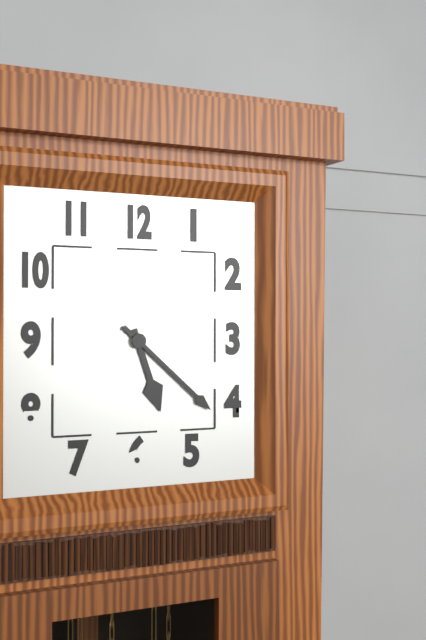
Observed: 5:22
